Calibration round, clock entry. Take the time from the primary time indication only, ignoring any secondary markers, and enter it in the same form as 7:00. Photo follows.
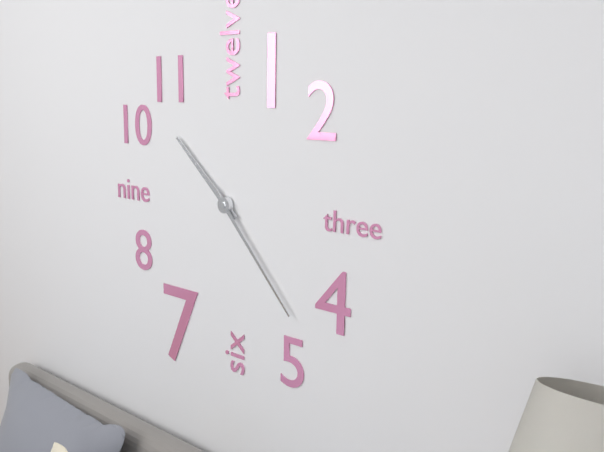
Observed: 10:23
